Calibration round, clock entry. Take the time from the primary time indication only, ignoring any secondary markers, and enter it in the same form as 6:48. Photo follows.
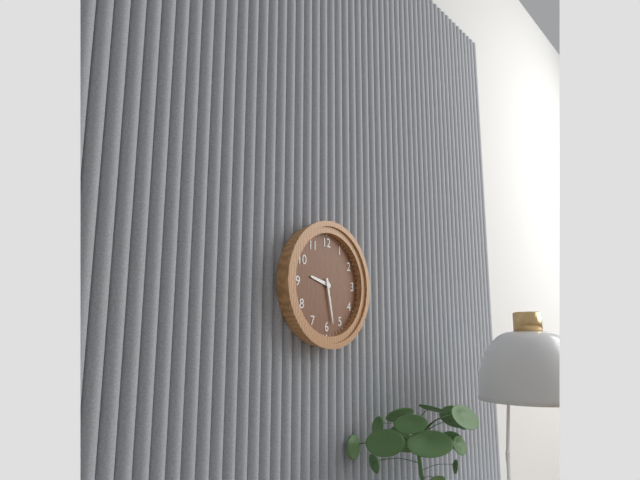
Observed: 9:28
